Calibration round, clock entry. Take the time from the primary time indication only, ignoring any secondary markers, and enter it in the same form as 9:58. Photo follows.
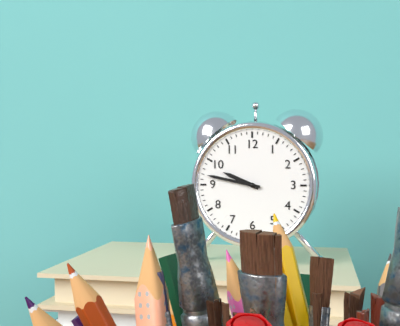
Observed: 9:47
